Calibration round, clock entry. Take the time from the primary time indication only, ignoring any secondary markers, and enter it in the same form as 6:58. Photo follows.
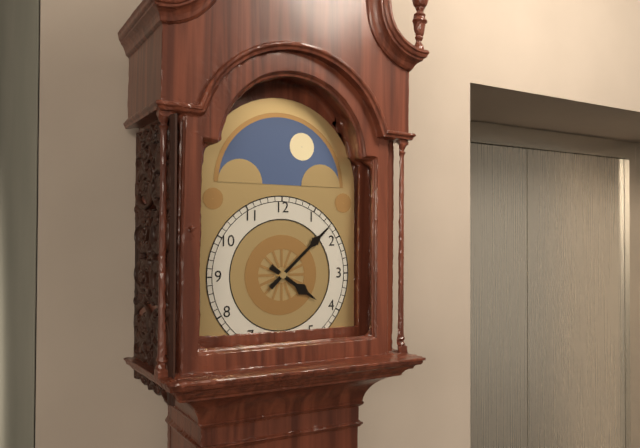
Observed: 4:08
